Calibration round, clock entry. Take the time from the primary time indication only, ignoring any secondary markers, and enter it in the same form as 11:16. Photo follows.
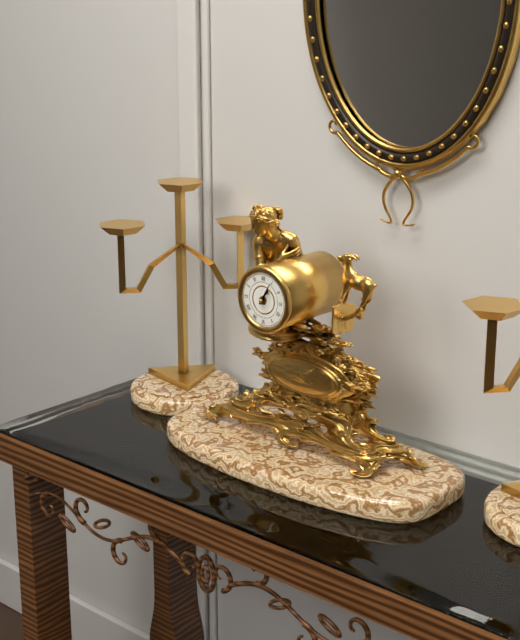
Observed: 1:05
